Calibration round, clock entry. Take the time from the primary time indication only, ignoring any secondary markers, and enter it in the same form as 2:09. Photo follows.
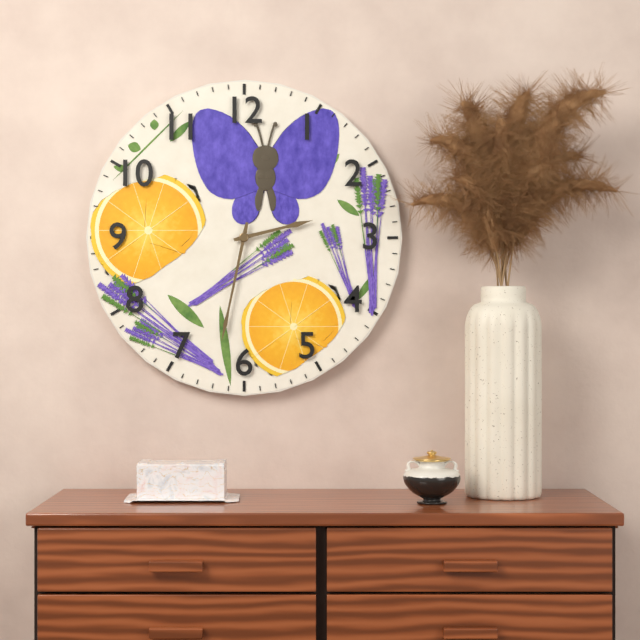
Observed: 2:32
